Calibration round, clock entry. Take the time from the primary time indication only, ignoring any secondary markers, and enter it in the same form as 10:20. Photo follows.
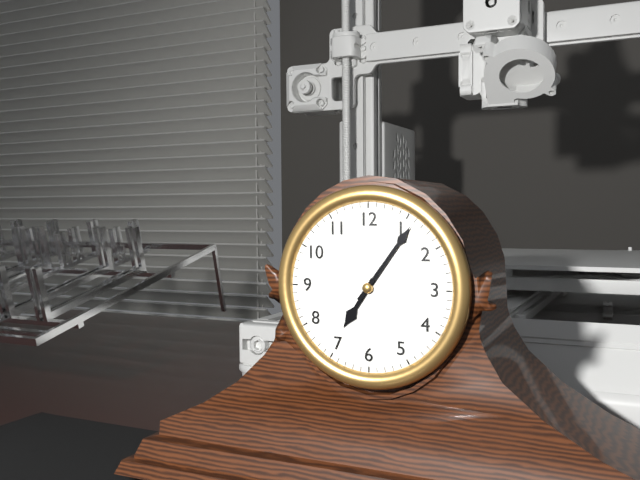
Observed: 7:06
